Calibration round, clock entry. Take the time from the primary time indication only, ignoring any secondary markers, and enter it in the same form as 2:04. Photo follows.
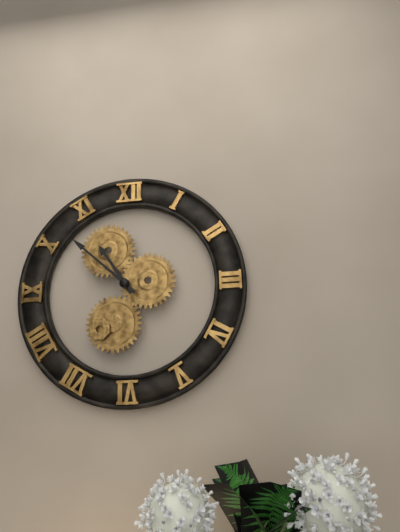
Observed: 10:52
